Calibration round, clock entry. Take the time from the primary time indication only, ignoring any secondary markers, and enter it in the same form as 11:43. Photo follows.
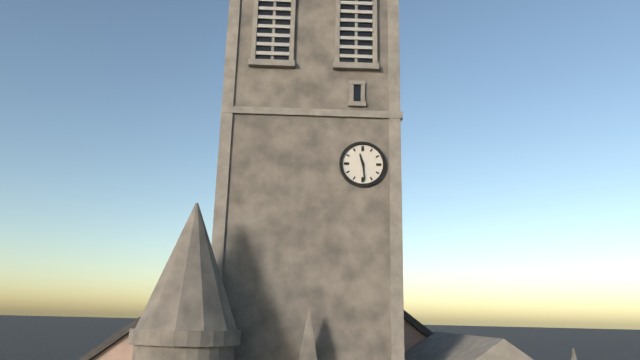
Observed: 11:29
